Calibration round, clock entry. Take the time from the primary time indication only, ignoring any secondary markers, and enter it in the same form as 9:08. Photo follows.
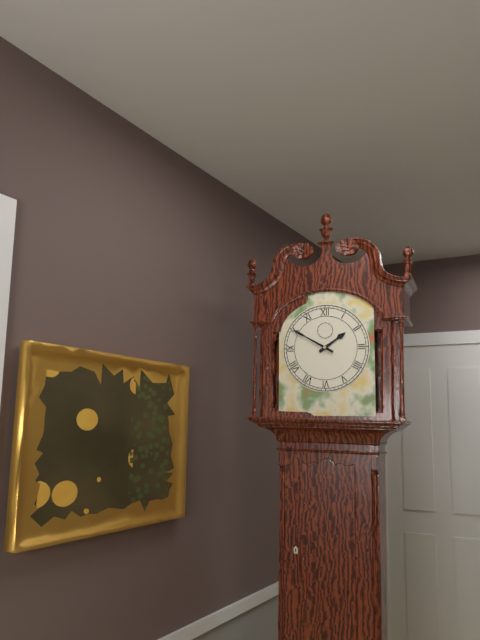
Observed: 1:50
